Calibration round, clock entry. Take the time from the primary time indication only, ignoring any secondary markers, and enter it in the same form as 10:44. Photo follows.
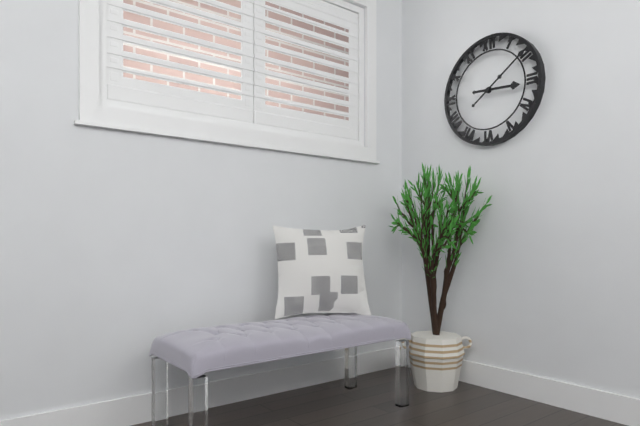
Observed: 3:09
